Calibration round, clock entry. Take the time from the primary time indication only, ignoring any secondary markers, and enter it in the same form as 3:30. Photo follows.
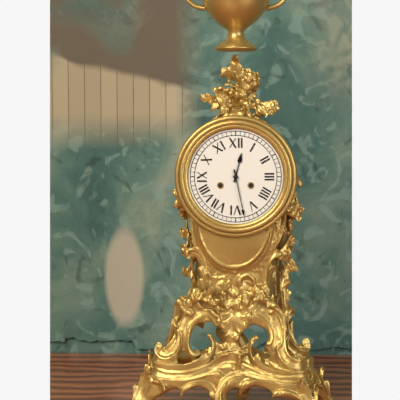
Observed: 12:28
